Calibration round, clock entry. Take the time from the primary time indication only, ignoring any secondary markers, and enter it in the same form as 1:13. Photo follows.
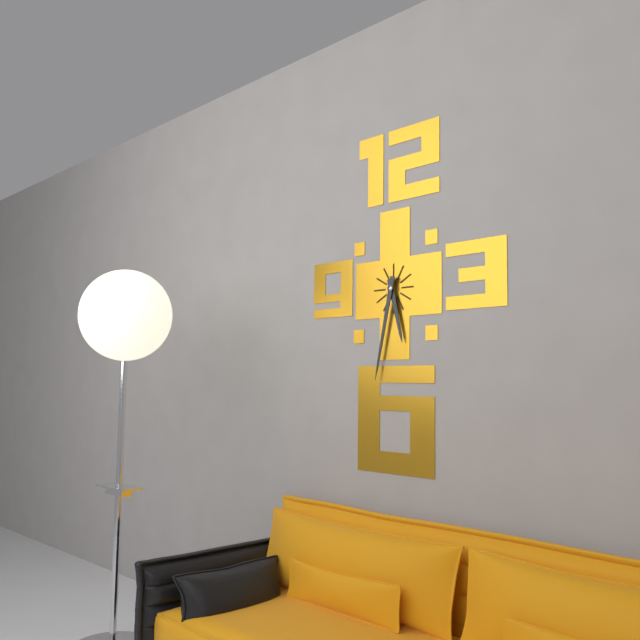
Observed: 5:32
